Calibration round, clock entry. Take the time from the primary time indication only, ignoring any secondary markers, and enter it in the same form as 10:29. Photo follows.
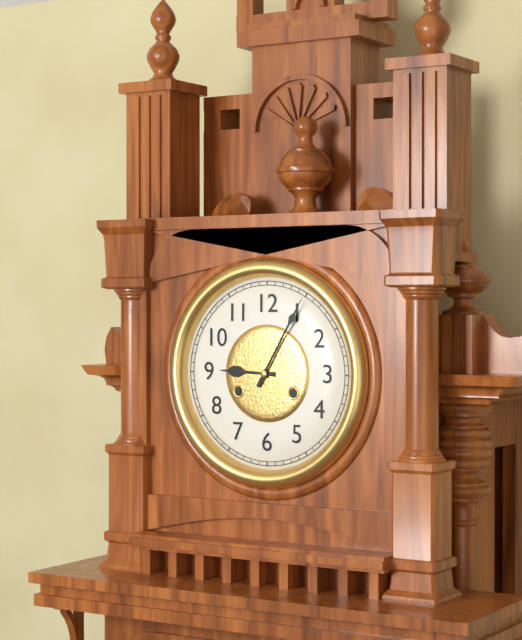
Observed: 9:05
